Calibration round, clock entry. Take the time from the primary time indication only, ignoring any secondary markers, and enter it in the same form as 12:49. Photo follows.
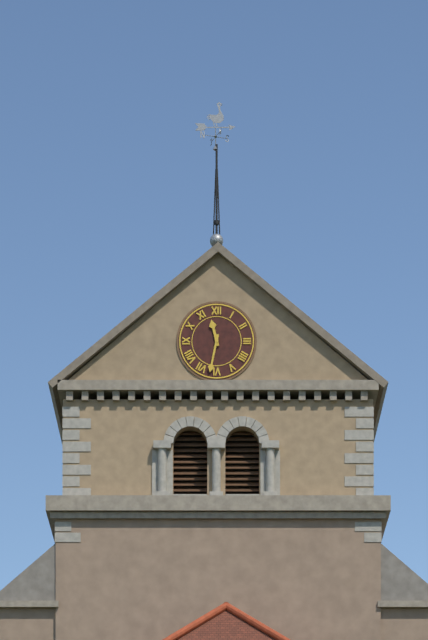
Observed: 11:32
